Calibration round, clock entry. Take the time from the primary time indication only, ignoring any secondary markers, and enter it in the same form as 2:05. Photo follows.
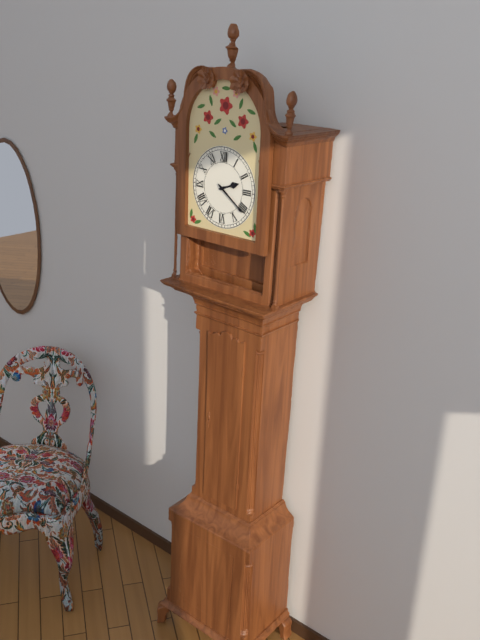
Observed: 2:21
